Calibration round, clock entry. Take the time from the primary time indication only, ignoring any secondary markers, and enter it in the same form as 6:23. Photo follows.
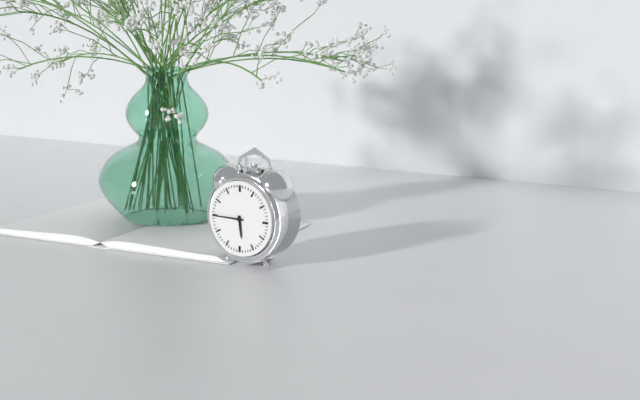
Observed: 5:45
